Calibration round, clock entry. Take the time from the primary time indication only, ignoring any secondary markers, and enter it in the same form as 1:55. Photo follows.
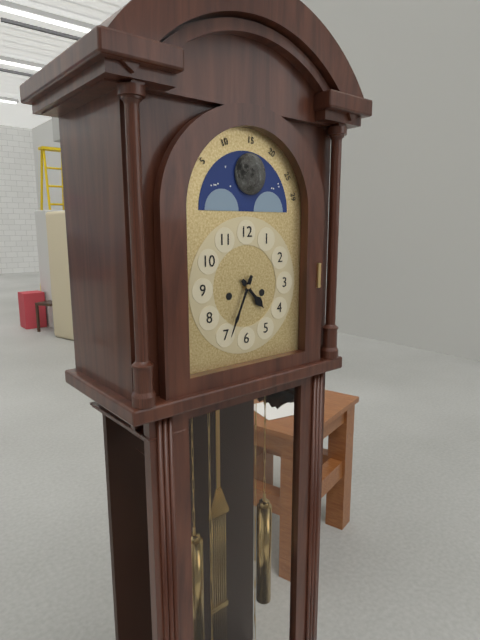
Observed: 4:34
